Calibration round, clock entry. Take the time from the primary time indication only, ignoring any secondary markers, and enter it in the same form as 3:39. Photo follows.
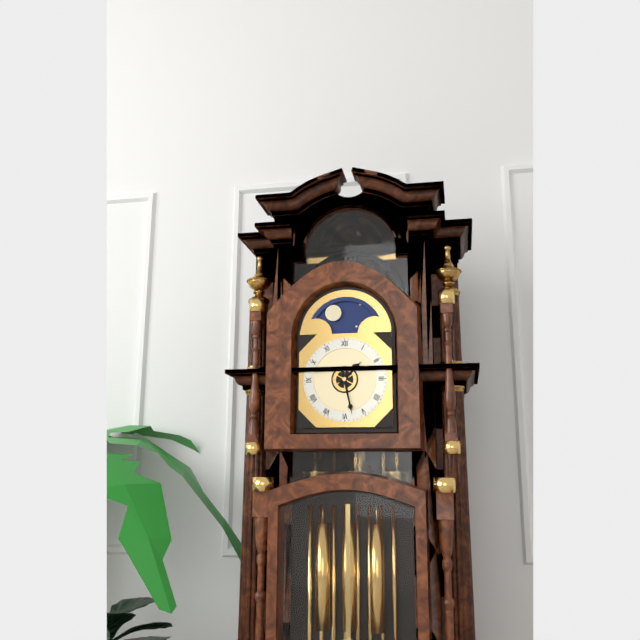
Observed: 1:28
